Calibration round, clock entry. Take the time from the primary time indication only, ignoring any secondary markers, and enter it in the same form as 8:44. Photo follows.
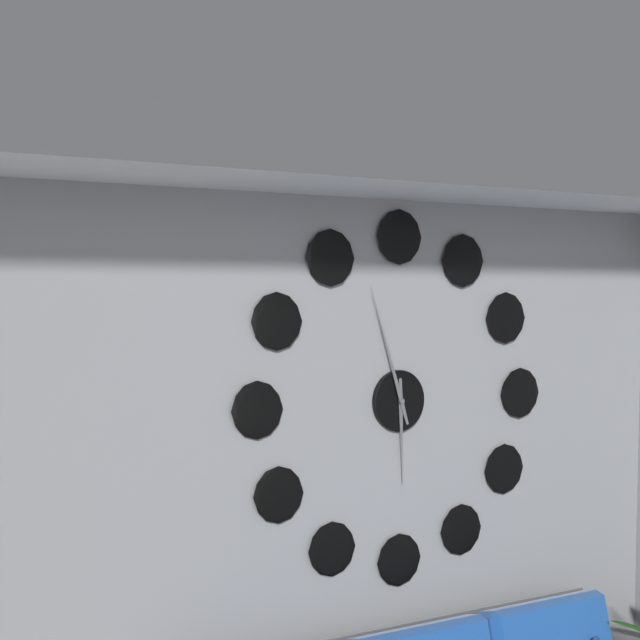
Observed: 5:57
